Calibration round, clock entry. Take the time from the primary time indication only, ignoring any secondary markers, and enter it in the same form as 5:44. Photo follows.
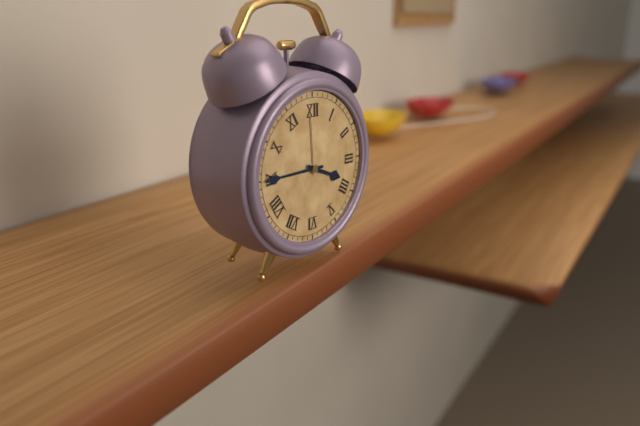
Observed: 3:45
